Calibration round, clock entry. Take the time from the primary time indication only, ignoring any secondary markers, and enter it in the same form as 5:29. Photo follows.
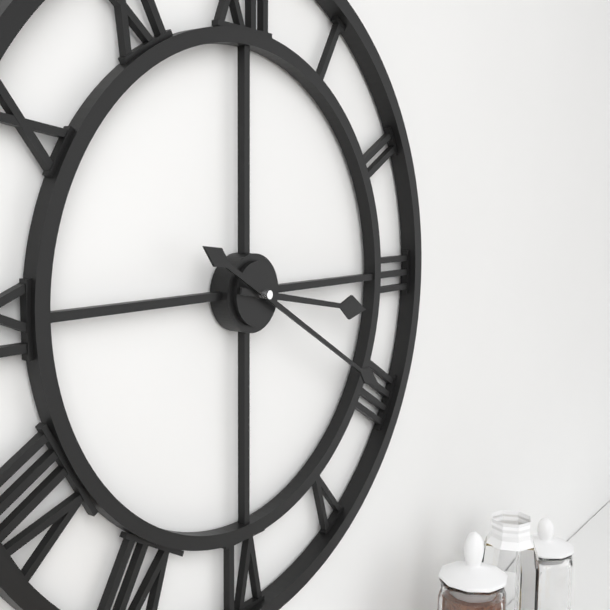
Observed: 3:20
